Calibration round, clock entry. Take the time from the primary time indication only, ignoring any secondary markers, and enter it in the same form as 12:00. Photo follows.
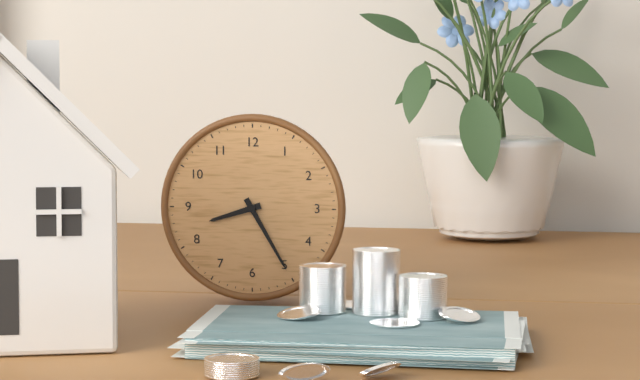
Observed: 8:25
